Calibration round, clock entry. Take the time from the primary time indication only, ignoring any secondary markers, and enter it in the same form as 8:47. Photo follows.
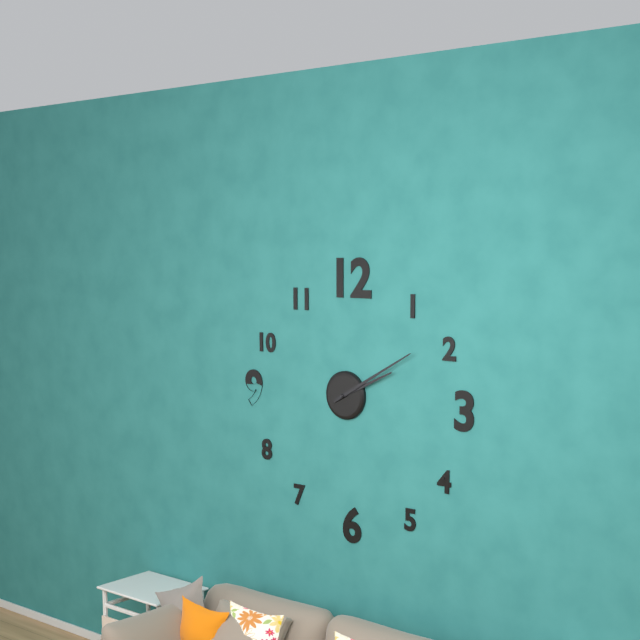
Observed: 2:10
